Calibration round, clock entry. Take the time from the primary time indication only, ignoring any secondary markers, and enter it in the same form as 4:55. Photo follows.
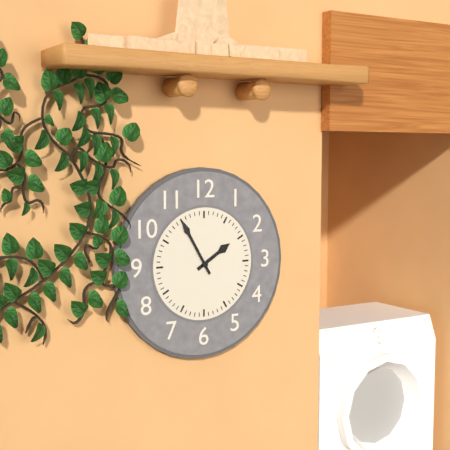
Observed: 1:55
